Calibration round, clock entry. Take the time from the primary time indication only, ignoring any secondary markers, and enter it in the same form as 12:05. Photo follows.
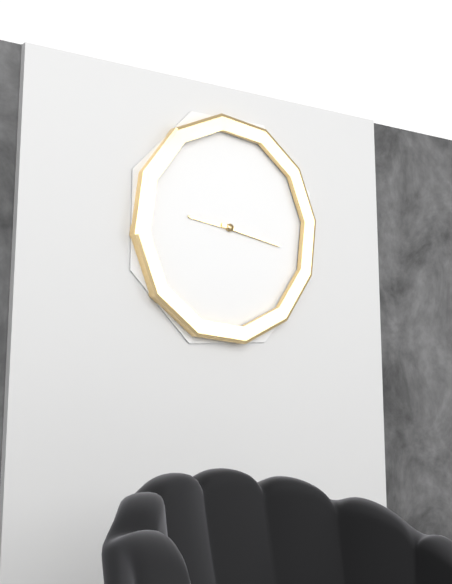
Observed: 9:17
